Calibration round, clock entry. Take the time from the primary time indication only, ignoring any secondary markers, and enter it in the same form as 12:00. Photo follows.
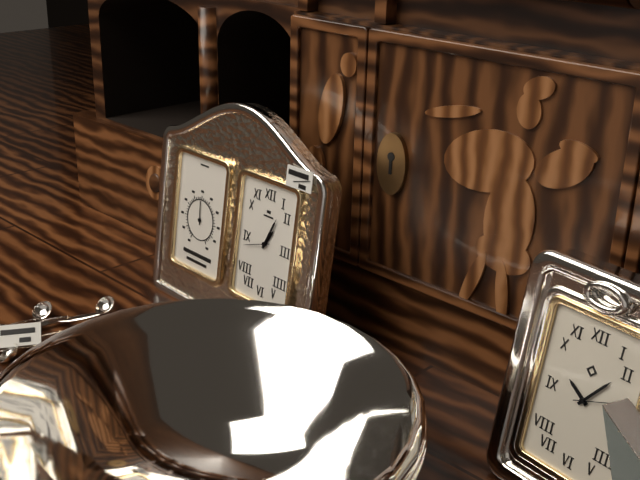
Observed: 1:04
